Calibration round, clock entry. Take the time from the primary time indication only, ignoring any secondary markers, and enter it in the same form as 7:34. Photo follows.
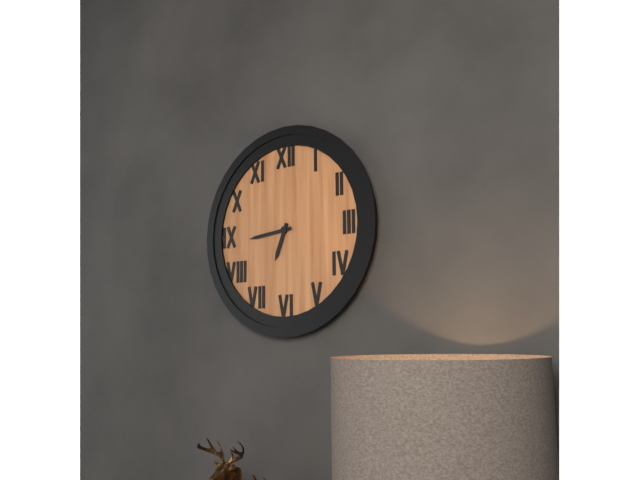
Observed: 6:44
